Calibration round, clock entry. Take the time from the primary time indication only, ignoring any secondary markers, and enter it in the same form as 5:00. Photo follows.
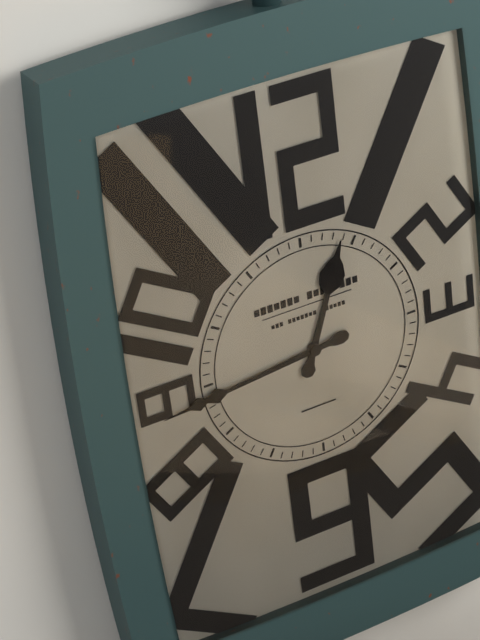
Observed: 12:44
